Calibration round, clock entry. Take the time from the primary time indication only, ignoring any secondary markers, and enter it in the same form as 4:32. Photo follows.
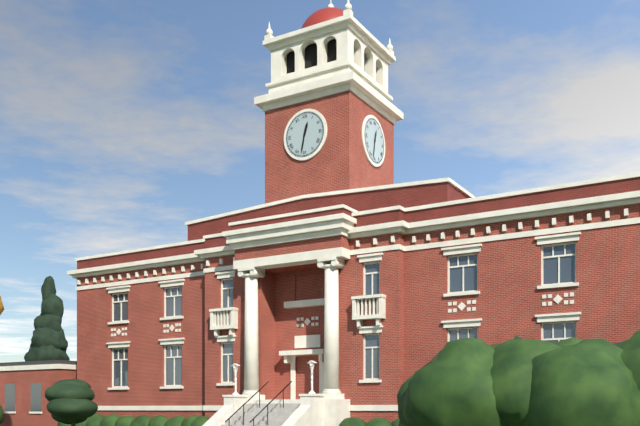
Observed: 12:32
